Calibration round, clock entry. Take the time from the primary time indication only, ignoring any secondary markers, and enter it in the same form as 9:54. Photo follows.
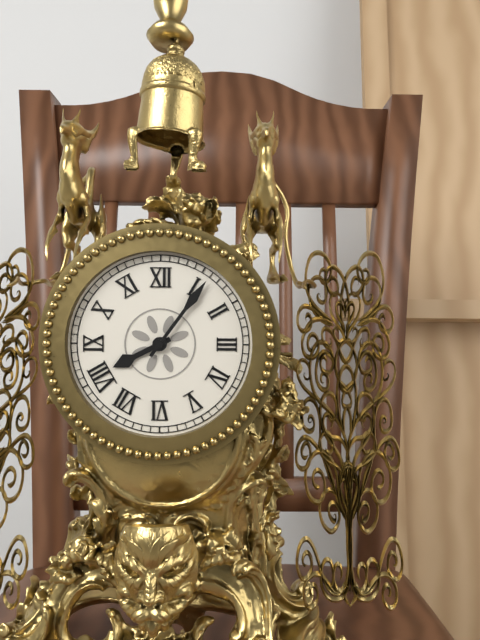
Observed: 8:06
